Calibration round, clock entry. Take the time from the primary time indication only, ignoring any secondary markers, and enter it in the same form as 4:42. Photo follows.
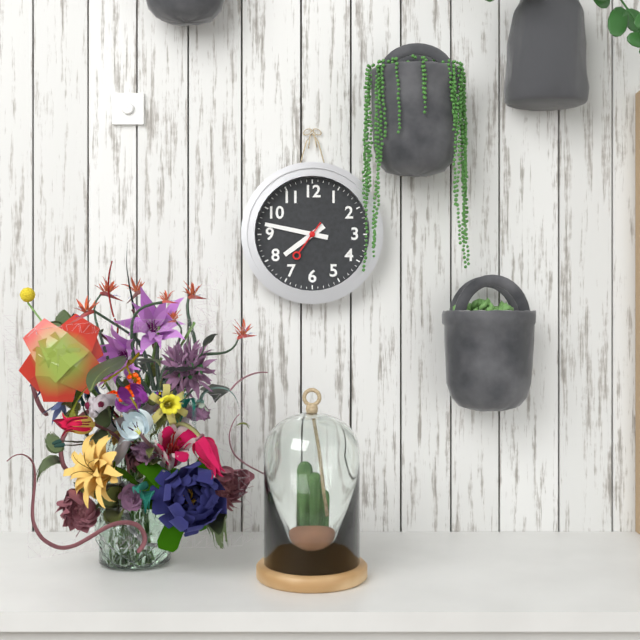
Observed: 7:47
